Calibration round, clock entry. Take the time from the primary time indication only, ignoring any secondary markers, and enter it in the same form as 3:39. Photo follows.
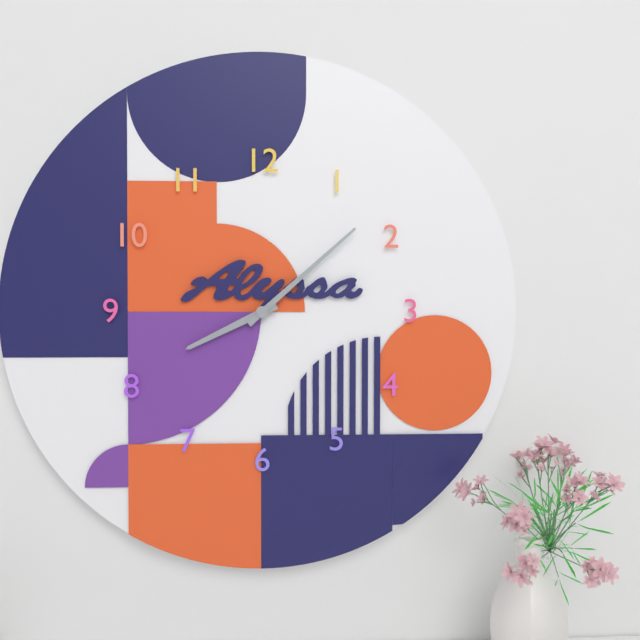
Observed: 8:08
